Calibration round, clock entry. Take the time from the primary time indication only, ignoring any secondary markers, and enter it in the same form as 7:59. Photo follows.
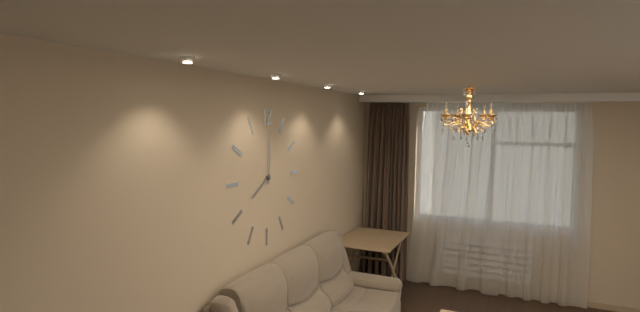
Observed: 8:01
